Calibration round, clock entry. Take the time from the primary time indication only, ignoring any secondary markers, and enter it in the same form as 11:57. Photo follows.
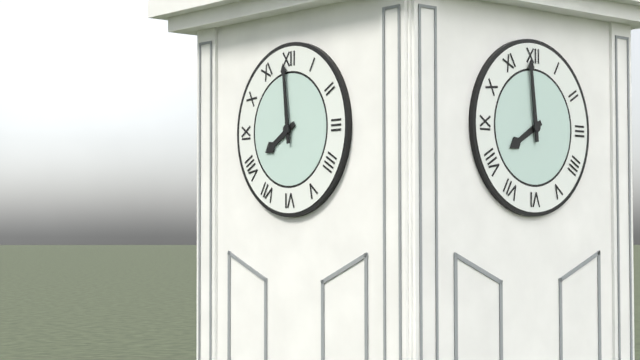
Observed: 7:59
